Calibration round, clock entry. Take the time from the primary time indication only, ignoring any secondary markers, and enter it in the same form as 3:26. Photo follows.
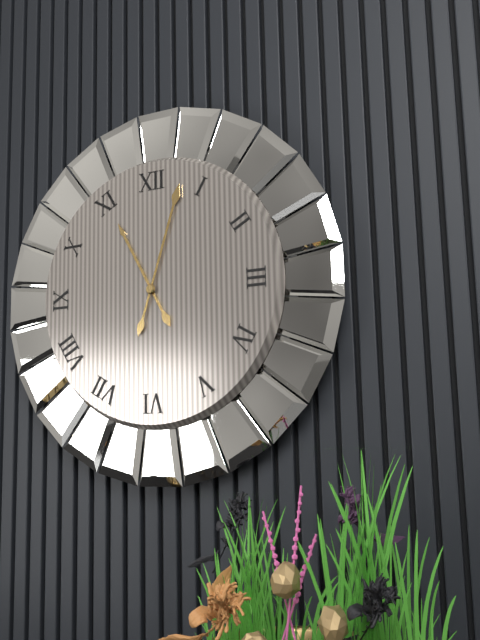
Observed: 11:03
